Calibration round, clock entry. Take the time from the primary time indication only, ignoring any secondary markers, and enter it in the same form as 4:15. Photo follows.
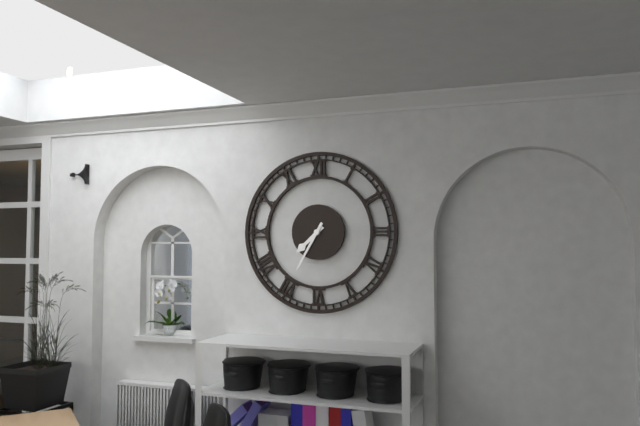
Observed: 7:35
